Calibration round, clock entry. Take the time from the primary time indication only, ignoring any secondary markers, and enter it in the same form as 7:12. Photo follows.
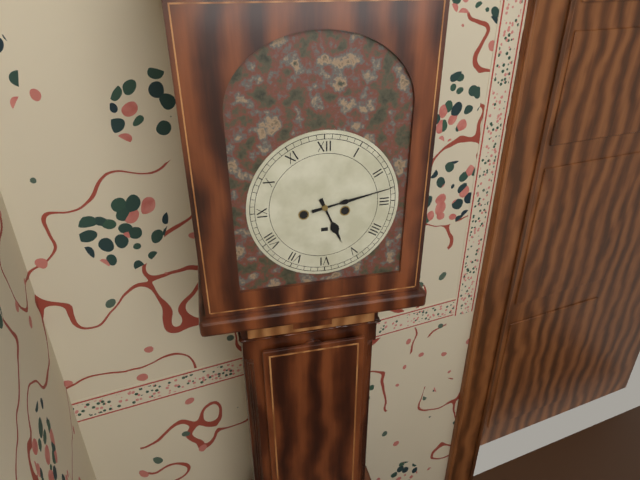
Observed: 5:13
